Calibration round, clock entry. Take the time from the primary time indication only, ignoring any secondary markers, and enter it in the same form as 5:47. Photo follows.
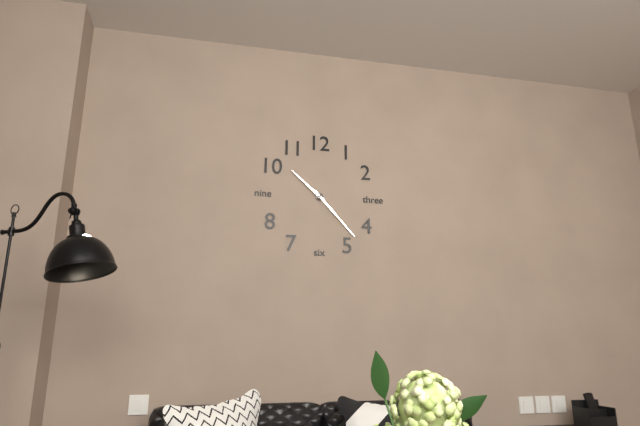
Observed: 10:23
